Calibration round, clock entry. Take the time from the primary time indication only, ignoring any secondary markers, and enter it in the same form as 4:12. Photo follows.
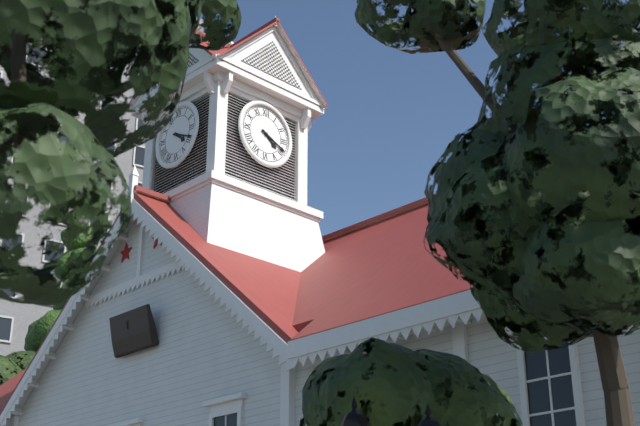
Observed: 4:19
